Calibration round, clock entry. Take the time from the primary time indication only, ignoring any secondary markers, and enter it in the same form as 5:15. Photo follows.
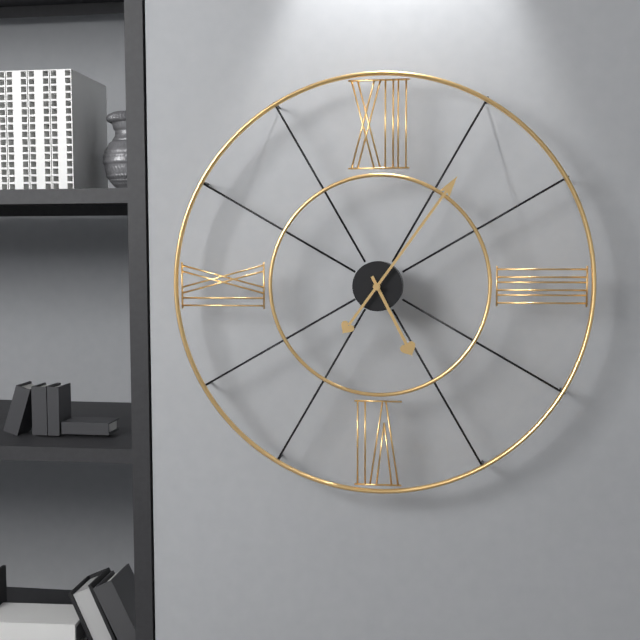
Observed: 5:06
